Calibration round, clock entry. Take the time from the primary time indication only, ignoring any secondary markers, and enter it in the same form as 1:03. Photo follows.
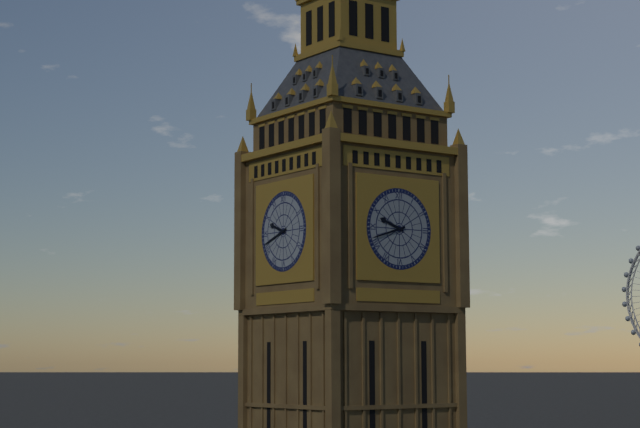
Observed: 9:42
